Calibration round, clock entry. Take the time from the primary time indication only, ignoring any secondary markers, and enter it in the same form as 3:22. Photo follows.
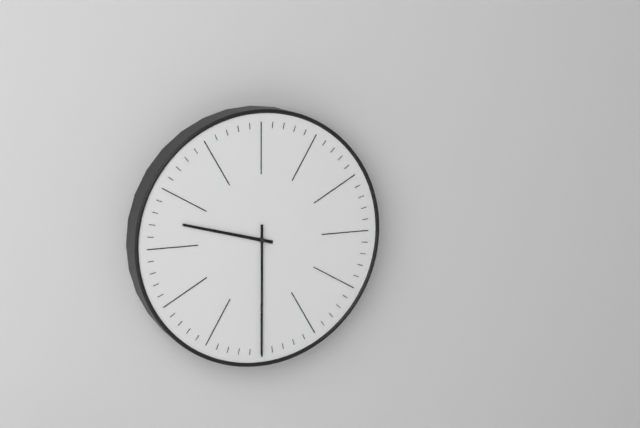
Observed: 9:30
